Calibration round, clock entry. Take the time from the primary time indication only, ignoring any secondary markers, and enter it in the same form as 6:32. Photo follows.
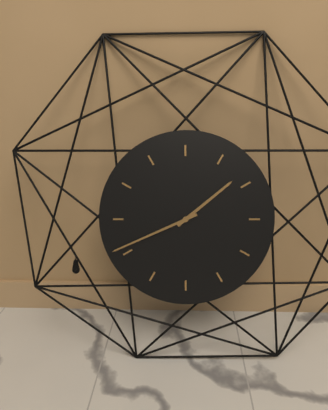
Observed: 1:41
